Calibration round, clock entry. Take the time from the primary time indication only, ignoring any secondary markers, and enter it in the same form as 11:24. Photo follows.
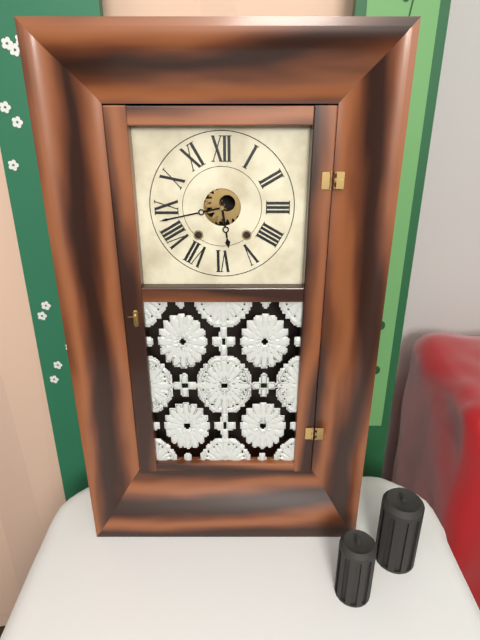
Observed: 5:43
